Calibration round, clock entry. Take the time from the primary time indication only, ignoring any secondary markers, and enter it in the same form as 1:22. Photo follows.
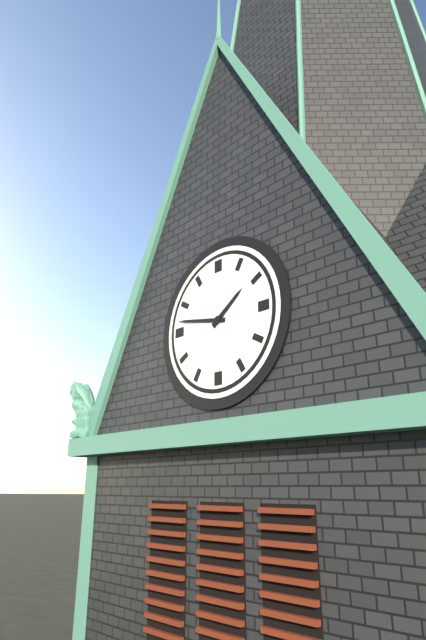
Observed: 1:47
